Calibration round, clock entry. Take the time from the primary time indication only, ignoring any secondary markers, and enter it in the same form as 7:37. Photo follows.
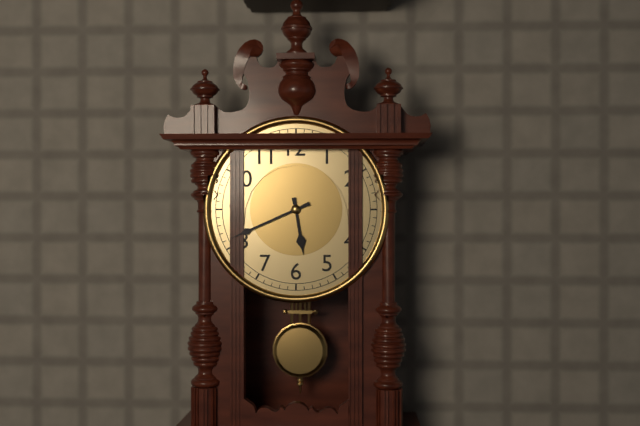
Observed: 5:41
